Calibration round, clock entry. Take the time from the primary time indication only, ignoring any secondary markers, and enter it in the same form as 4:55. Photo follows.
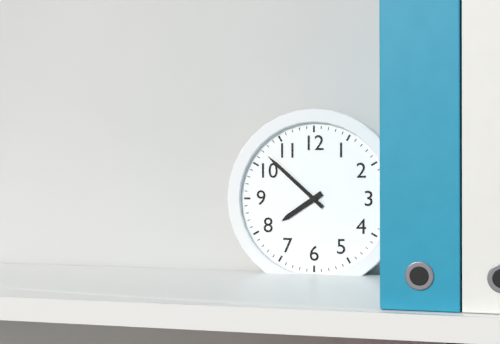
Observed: 7:52
